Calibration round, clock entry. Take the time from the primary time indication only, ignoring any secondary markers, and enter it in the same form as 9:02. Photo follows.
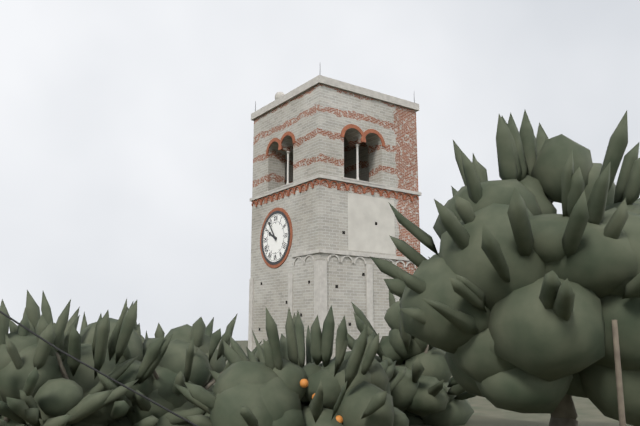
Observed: 9:54
